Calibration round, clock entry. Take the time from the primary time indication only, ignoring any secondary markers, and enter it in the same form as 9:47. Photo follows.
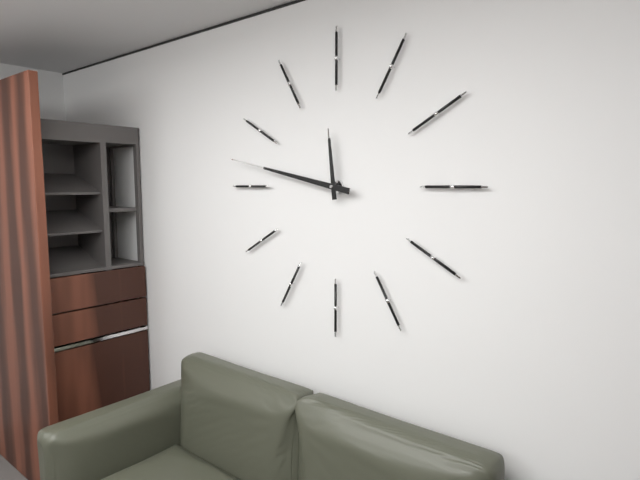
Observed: 11:47
